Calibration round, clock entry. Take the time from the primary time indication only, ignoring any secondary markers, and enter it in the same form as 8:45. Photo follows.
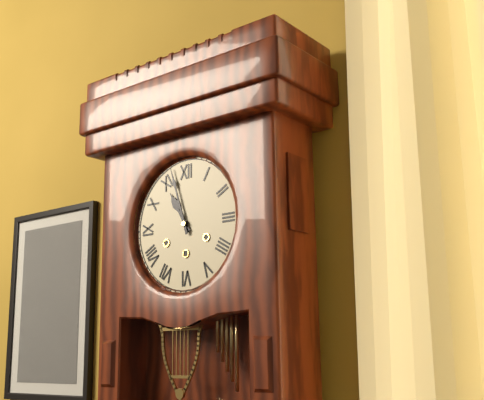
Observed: 10:57
